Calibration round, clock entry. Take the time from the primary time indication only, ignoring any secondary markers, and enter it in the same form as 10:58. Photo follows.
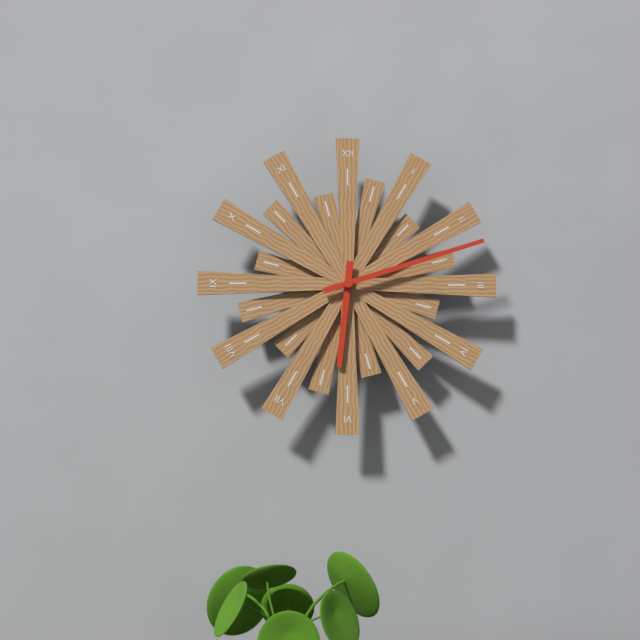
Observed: 6:12
